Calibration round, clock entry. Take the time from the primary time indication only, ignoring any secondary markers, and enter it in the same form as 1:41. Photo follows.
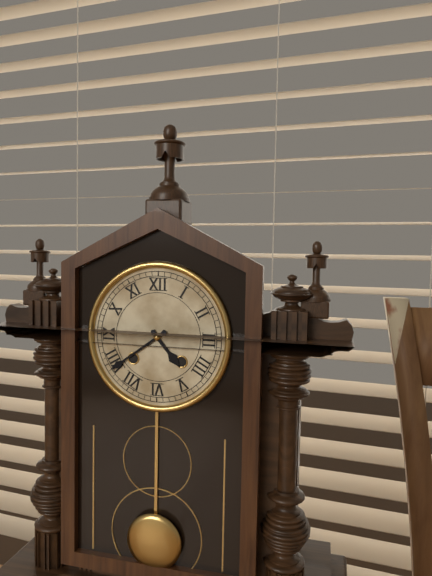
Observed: 4:39
